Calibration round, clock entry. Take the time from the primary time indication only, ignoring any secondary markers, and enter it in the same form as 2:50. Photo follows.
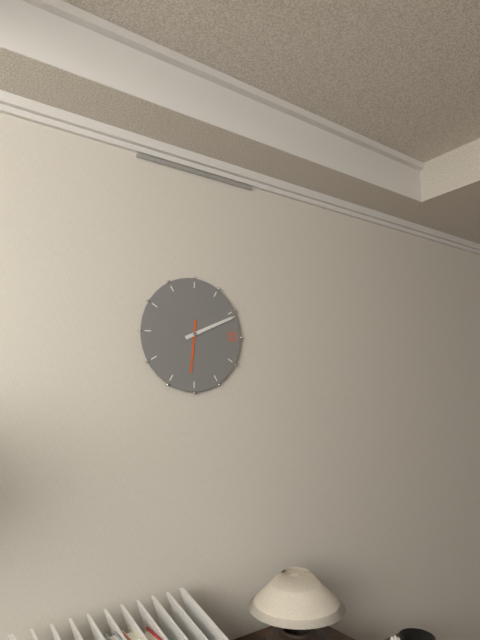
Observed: 6:11
